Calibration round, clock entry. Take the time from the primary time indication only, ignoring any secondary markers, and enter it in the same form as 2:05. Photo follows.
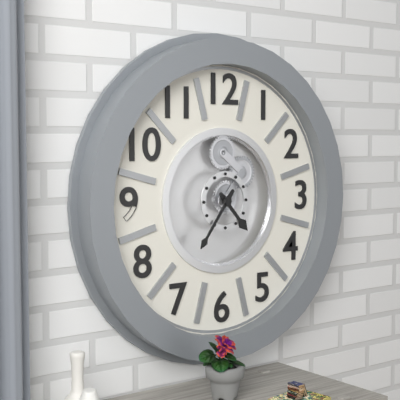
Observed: 4:36
